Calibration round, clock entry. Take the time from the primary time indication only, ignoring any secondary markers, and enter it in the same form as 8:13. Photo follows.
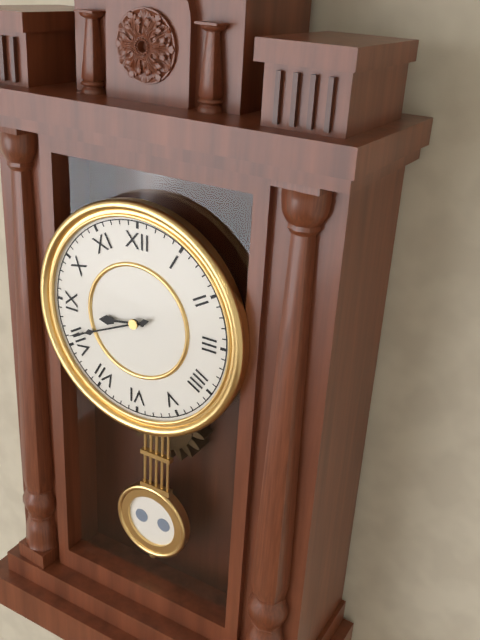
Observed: 8:41
